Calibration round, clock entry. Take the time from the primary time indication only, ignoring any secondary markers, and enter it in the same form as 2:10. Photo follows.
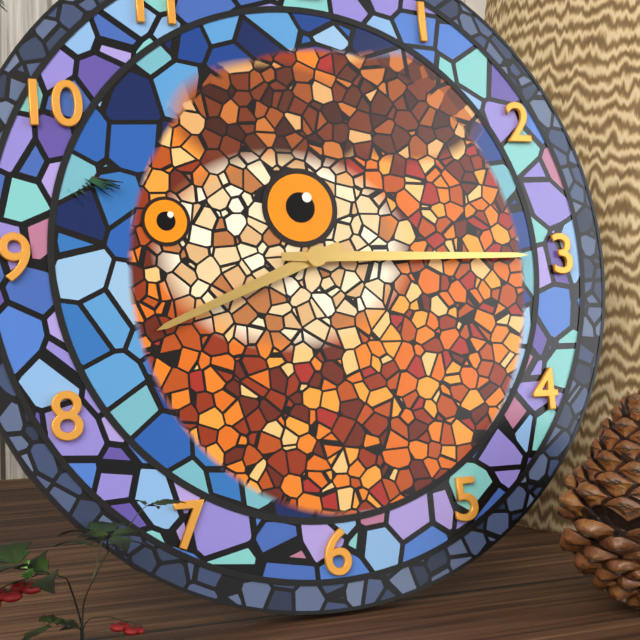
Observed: 8:15
